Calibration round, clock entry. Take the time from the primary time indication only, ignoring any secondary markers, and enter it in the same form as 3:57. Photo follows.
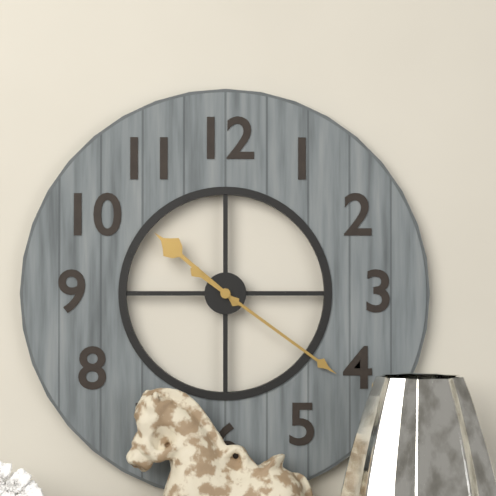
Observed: 10:21
